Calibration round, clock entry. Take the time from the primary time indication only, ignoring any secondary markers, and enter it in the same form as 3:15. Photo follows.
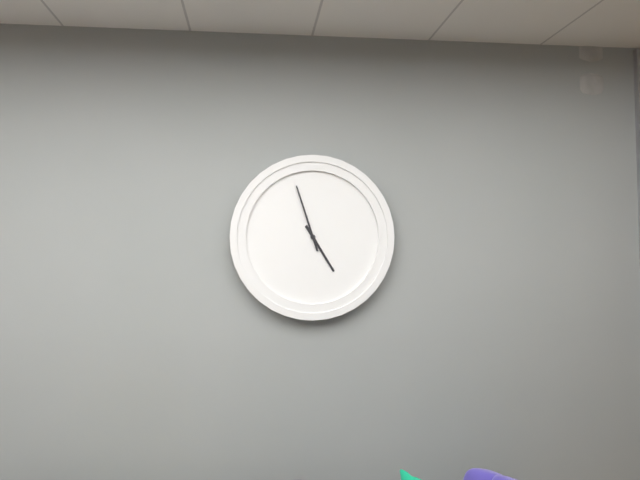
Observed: 4:57
